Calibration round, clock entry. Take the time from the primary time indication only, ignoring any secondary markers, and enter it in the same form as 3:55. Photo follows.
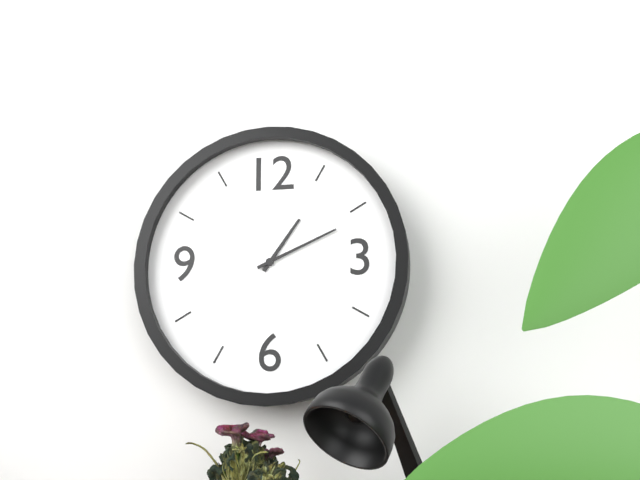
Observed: 1:11
